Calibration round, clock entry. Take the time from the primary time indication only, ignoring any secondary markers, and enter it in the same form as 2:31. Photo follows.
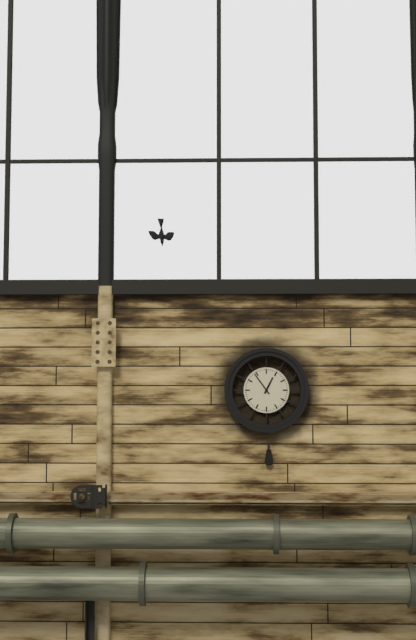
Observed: 12:54
